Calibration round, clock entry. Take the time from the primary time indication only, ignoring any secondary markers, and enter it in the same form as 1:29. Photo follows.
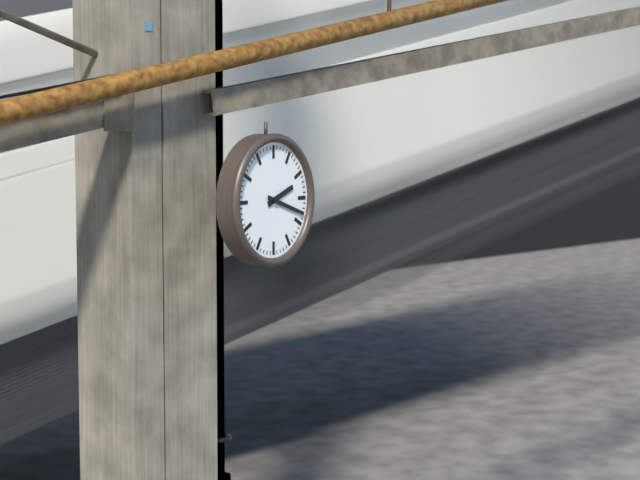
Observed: 2:18
